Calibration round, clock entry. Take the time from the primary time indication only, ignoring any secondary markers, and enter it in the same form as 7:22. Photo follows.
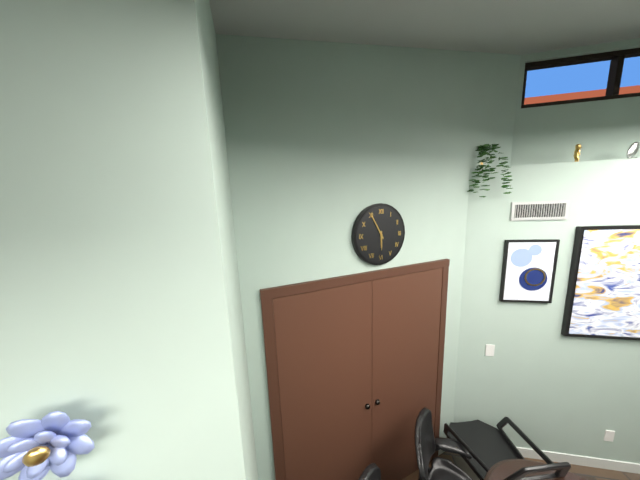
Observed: 5:55
